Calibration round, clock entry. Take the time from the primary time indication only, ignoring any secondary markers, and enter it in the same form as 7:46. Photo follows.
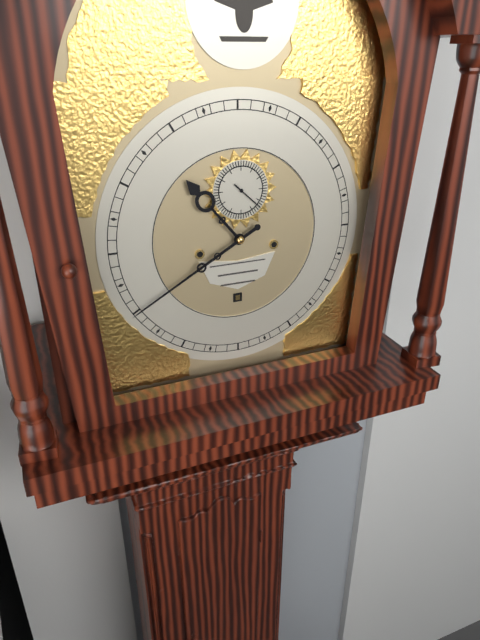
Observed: 10:40
